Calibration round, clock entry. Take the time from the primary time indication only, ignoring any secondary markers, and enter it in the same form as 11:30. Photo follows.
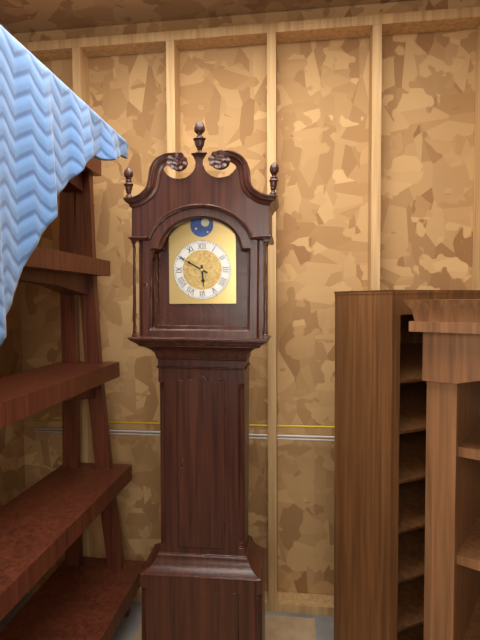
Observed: 5:50
